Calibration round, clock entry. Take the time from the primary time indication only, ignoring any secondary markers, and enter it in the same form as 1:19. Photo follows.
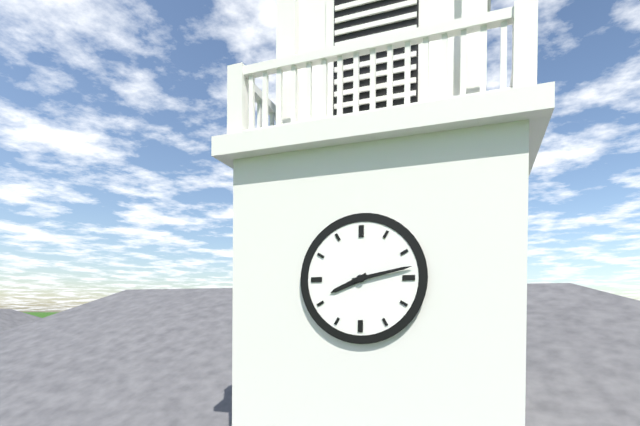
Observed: 8:13
